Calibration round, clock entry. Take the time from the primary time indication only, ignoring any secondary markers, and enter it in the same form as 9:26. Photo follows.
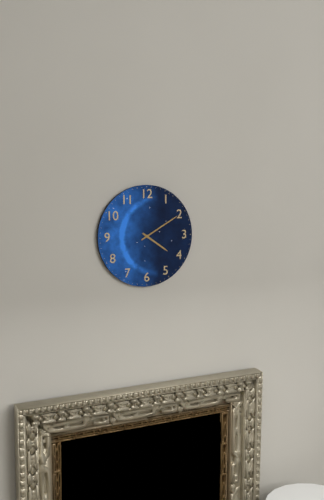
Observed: 4:10
